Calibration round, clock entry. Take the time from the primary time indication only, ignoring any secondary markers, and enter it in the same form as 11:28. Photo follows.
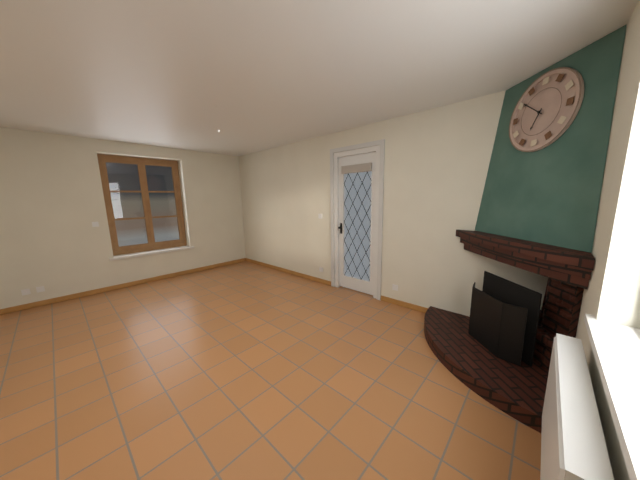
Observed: 6:51
